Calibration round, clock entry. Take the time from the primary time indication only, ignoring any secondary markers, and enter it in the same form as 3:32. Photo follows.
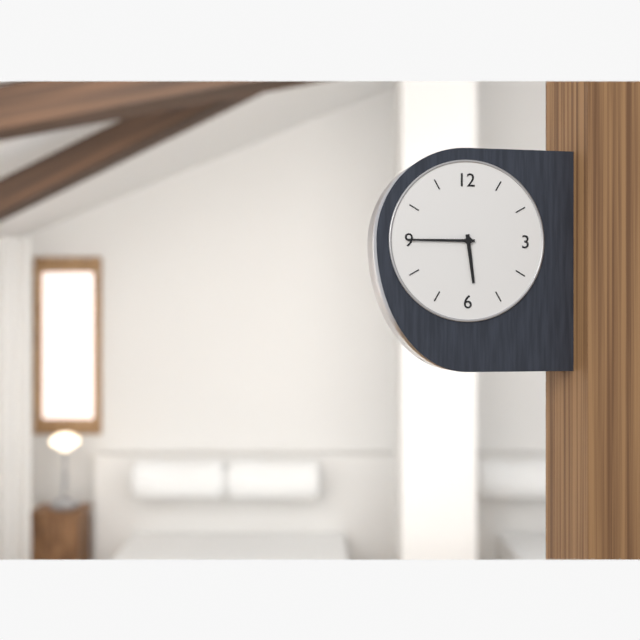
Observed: 5:45
